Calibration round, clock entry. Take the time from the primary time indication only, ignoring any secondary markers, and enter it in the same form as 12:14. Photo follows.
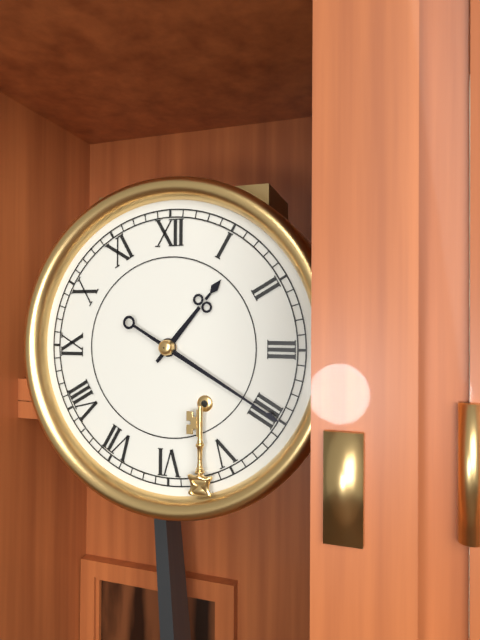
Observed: 1:20
